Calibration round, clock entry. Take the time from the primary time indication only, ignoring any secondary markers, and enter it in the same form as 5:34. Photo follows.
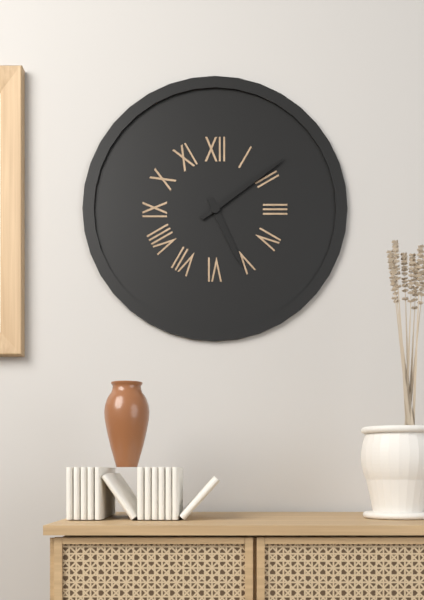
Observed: 5:09
